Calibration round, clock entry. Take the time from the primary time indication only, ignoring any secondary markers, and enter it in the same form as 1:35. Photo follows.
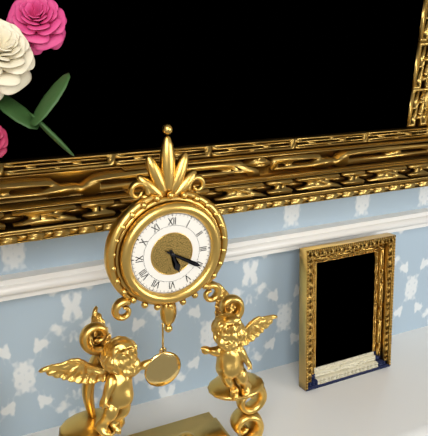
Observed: 5:20
